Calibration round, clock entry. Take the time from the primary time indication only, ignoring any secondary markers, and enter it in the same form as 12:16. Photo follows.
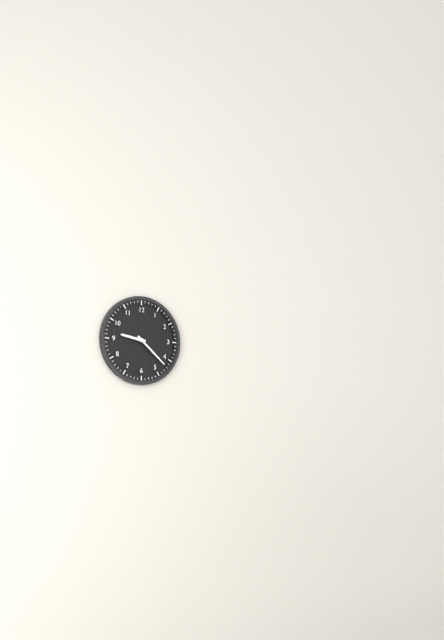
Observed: 9:22
